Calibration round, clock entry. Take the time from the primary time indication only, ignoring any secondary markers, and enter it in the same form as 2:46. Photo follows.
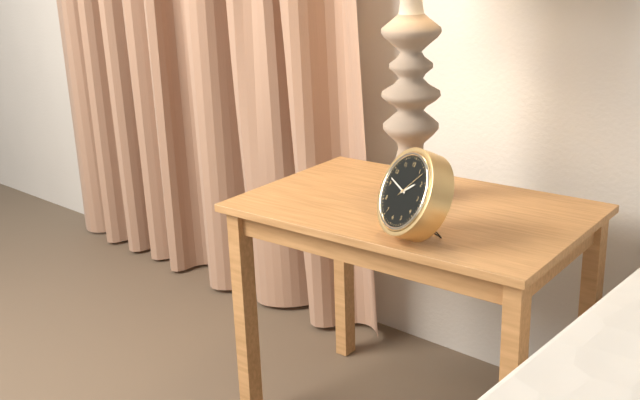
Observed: 1:47
